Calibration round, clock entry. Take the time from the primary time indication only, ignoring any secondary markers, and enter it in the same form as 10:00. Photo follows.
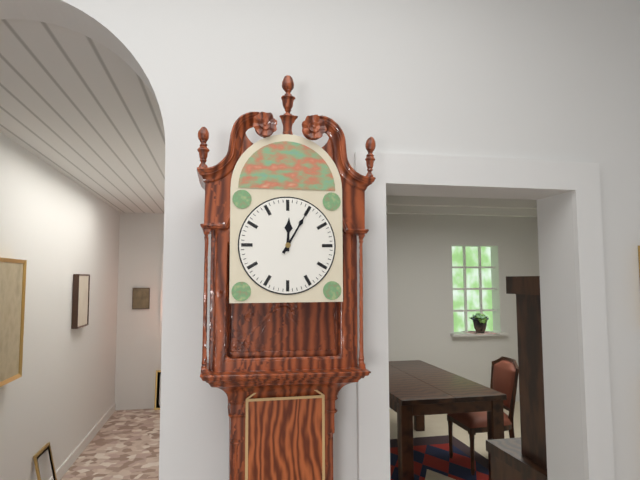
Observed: 12:05
